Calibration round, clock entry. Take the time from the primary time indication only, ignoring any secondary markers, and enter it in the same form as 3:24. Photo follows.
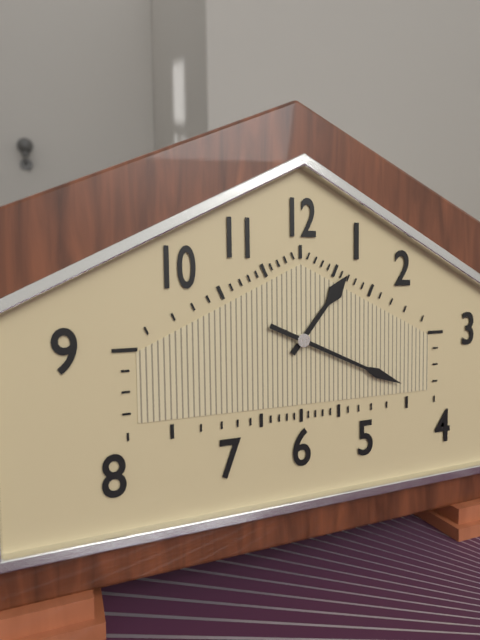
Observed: 1:19
